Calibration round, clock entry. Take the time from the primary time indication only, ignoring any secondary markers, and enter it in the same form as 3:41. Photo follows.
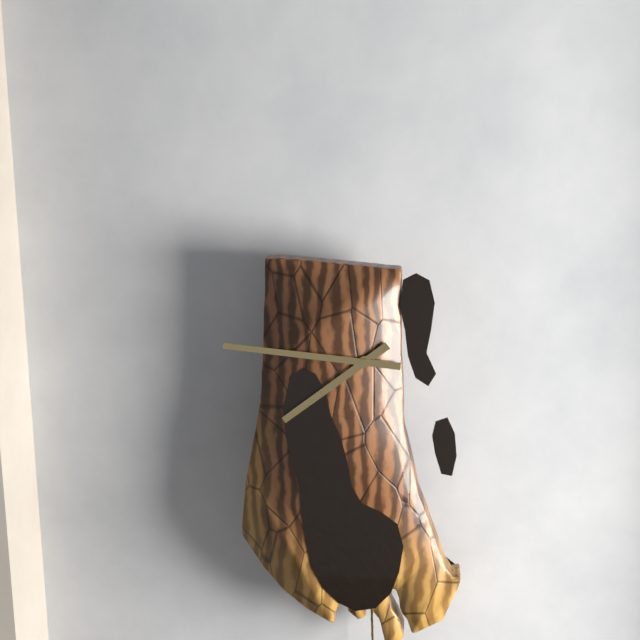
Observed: 7:46
